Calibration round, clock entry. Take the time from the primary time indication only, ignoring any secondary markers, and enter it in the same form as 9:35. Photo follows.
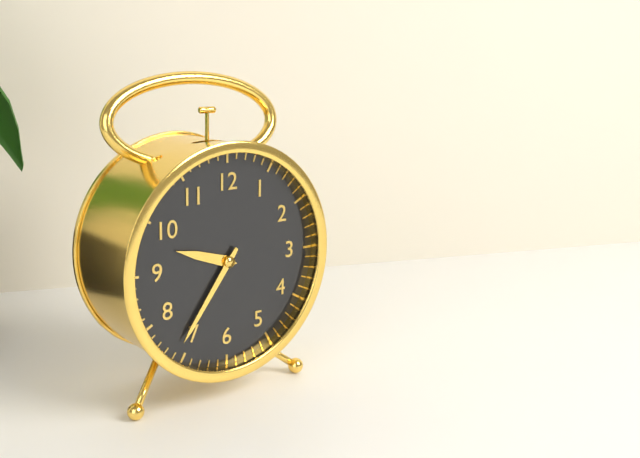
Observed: 9:36
